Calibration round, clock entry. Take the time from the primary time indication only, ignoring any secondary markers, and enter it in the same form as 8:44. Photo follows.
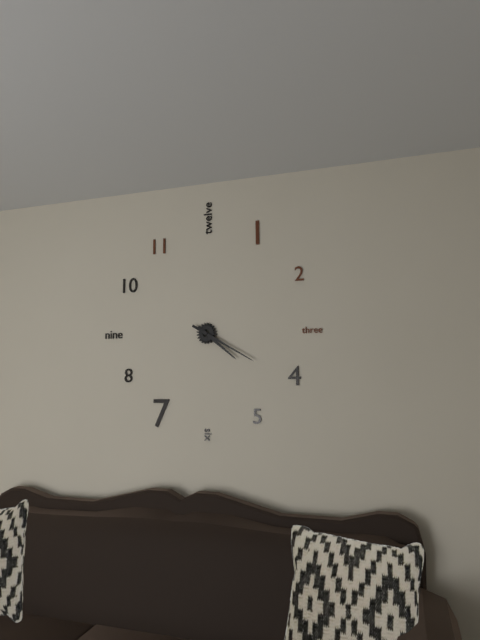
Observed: 4:20
